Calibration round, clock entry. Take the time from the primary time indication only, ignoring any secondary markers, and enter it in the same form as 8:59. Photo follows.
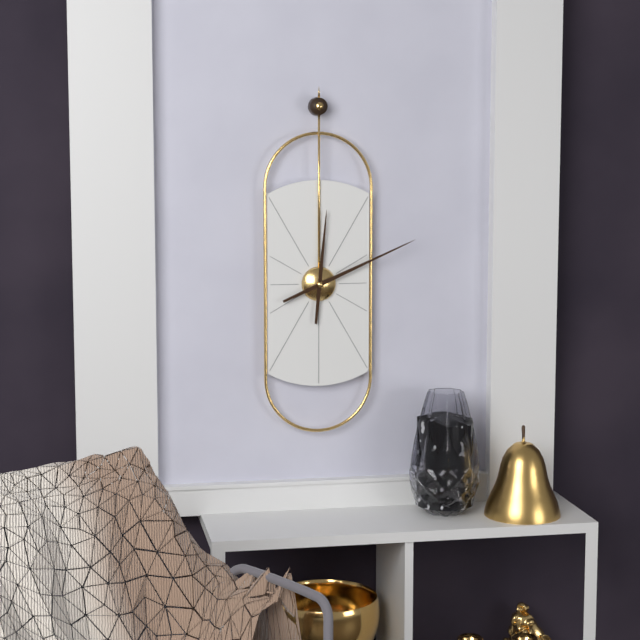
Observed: 12:11
